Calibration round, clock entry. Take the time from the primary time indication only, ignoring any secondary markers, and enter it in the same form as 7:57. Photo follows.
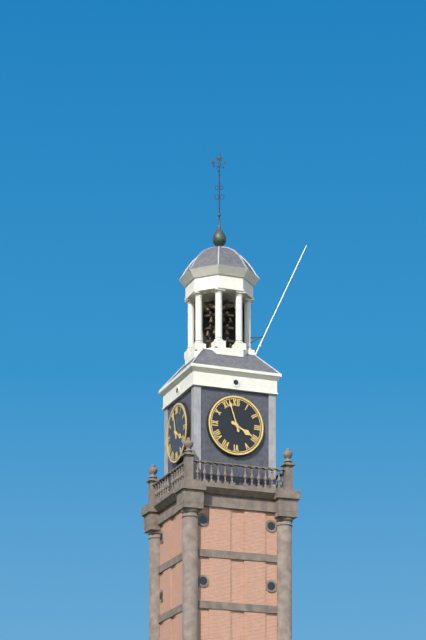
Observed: 3:57
